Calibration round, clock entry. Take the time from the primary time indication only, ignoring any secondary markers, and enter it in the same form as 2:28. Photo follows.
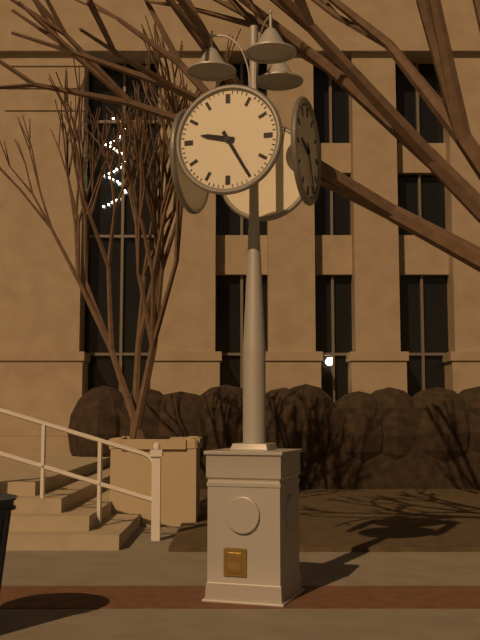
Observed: 9:25
